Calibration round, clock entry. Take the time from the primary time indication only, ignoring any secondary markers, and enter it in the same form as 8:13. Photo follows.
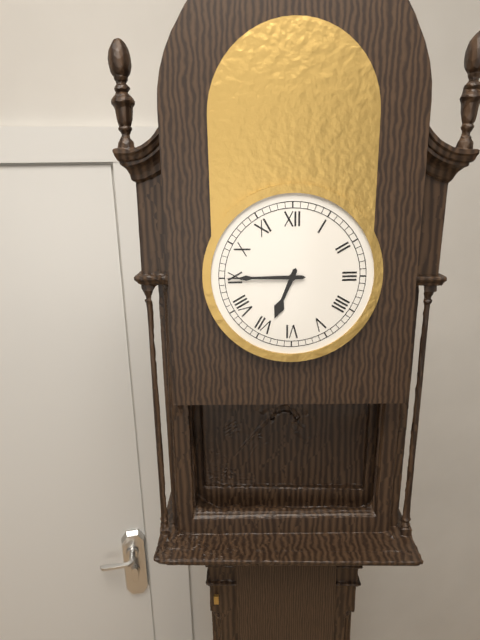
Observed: 6:45
